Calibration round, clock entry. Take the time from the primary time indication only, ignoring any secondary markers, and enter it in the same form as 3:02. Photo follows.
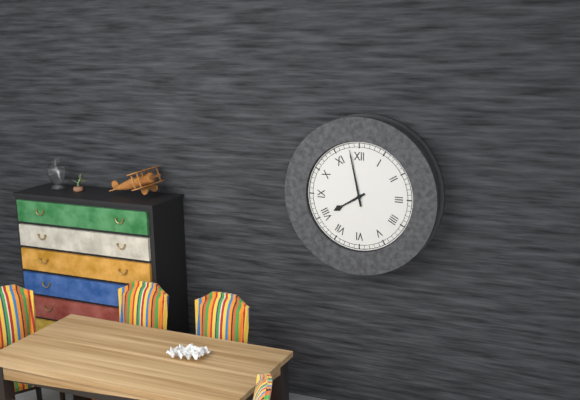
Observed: 7:58
